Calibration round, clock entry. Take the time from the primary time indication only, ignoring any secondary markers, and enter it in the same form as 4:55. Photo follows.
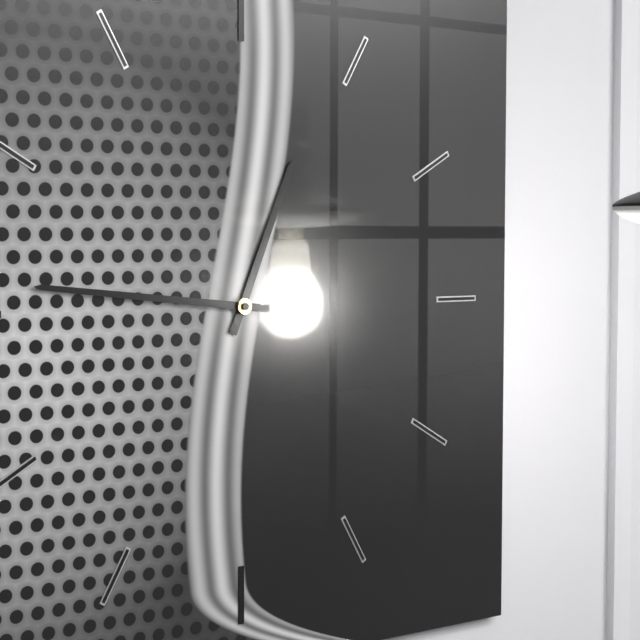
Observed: 12:46
